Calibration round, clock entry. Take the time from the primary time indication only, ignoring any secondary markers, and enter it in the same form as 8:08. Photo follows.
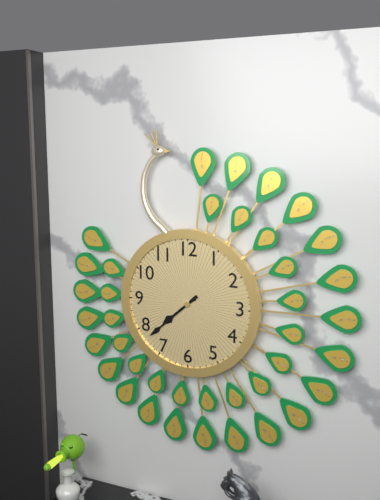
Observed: 7:38
